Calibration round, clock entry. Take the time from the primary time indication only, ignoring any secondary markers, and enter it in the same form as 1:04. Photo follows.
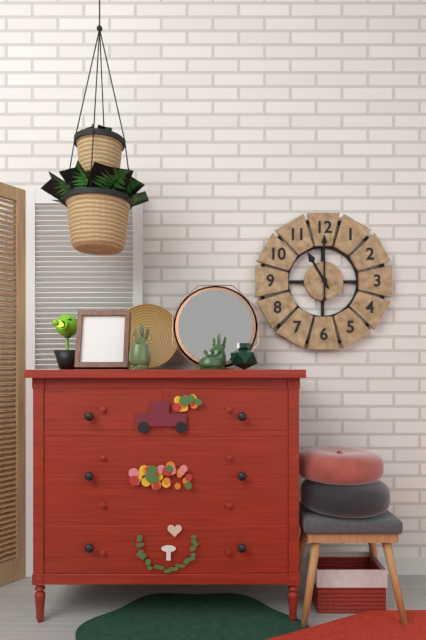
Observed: 11:00
